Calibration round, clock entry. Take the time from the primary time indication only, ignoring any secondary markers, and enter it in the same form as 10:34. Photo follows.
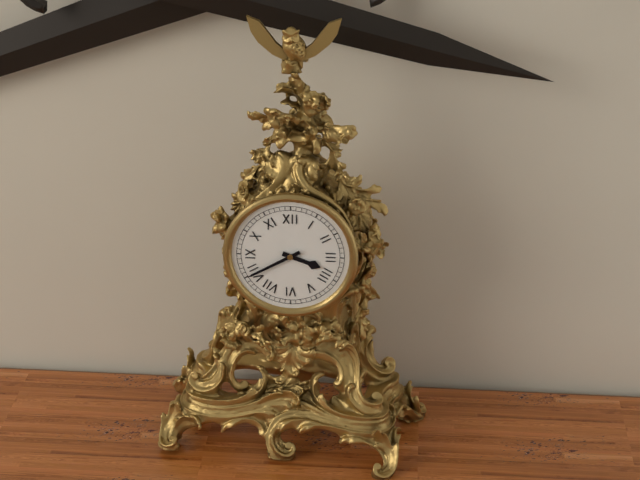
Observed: 3:40
